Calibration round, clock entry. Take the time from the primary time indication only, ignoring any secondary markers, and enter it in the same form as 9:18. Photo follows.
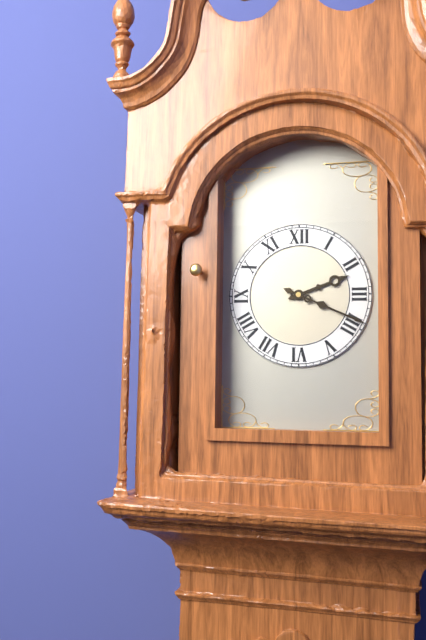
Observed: 2:19
